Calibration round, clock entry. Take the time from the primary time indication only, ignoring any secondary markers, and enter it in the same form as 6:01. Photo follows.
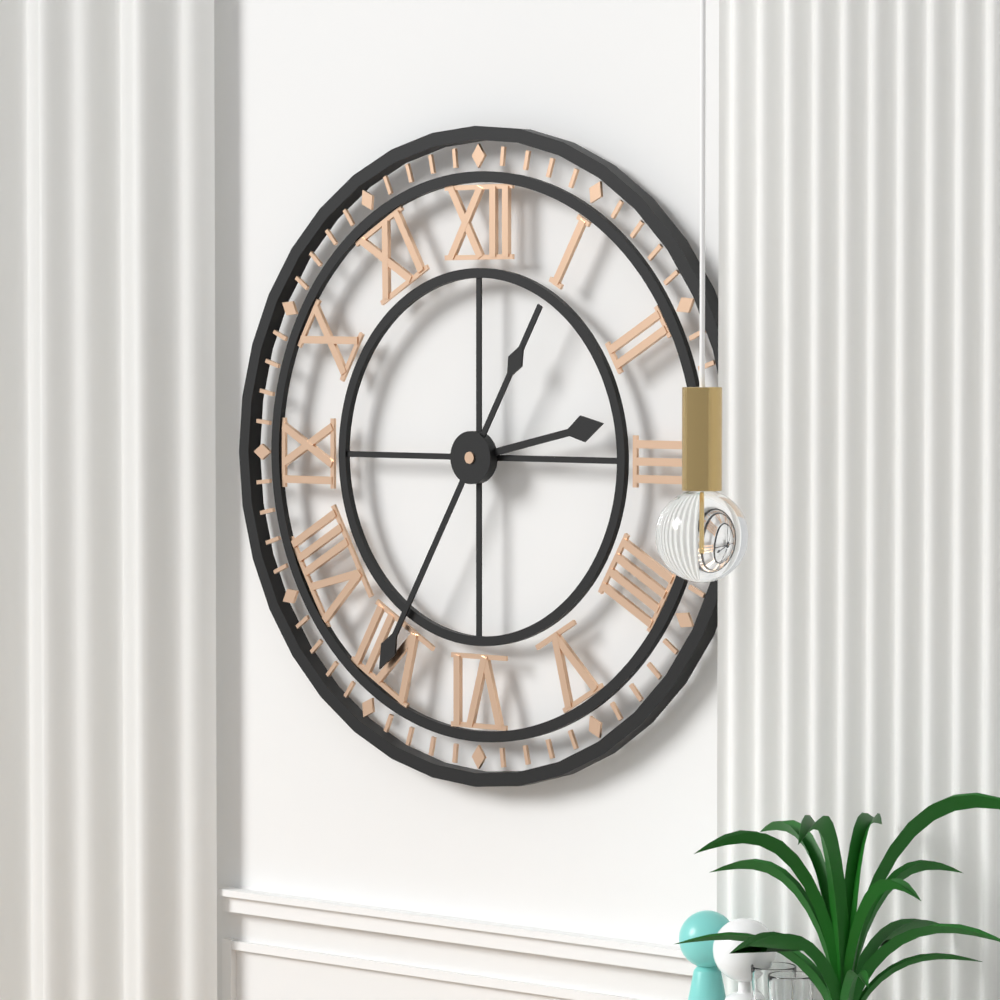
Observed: 2:35
